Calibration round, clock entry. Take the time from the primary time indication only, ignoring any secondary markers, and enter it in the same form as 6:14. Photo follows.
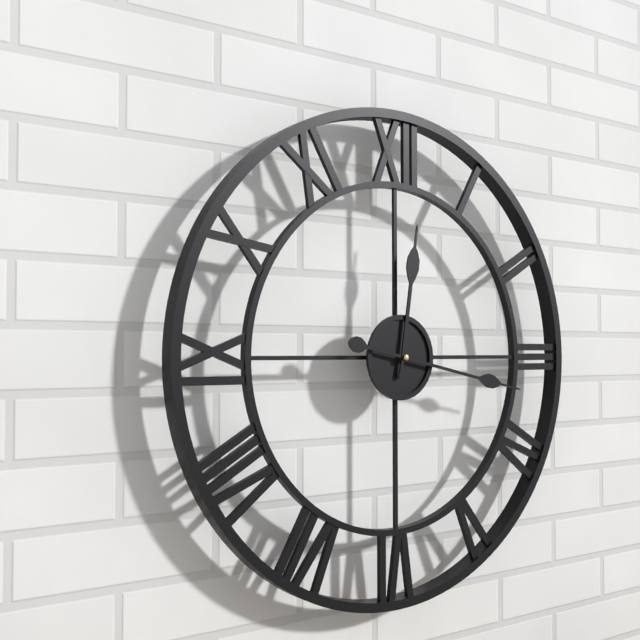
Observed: 12:17
